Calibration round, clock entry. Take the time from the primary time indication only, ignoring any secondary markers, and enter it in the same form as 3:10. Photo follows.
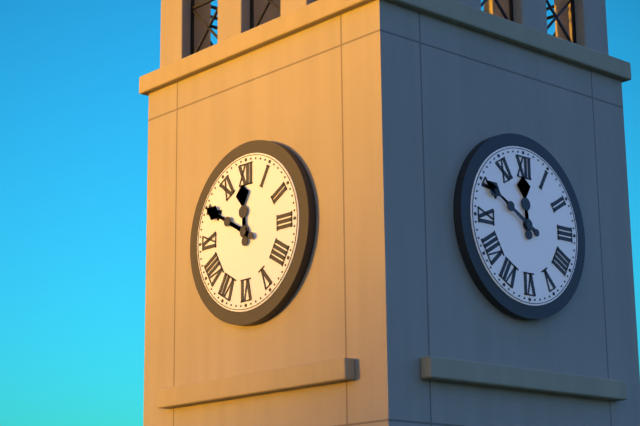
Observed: 11:50
